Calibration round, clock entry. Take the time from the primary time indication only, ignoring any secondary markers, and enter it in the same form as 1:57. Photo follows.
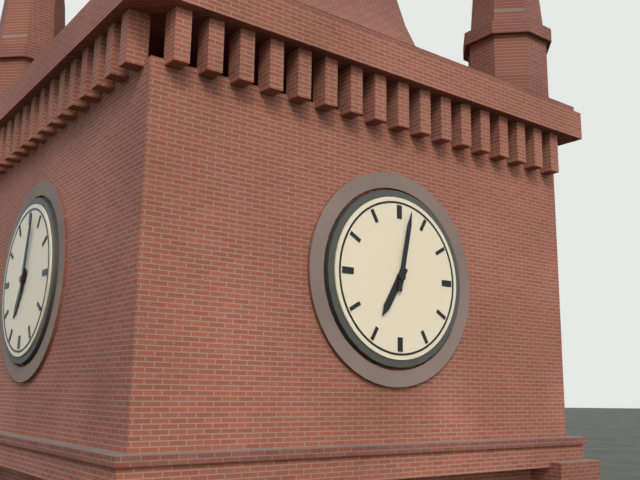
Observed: 7:02
